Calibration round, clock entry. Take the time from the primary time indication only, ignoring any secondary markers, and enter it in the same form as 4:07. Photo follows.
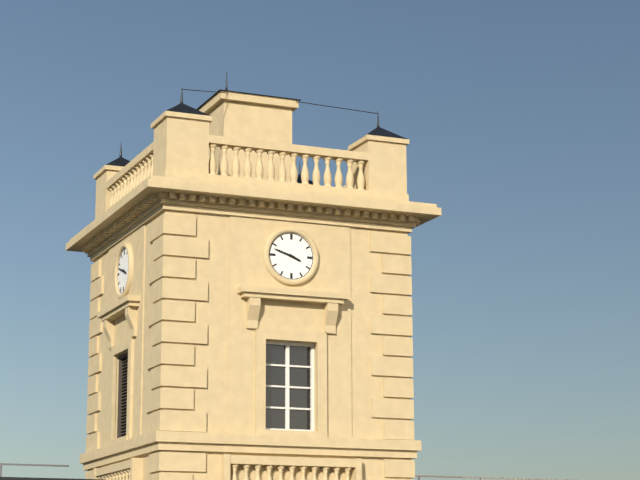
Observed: 3:48
